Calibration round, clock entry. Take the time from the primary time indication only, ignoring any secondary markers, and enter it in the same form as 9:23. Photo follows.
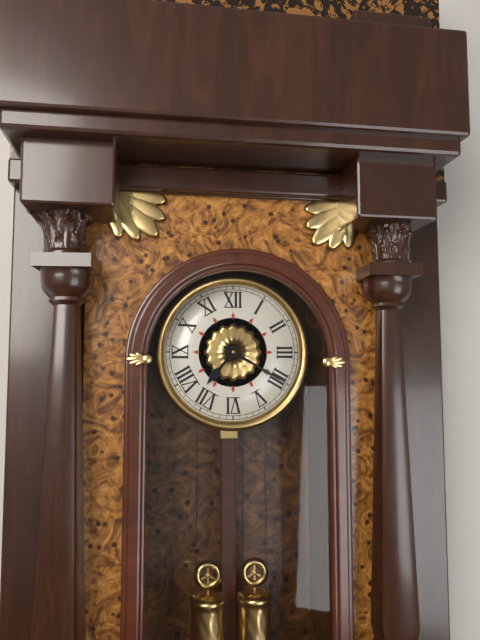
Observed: 7:20
